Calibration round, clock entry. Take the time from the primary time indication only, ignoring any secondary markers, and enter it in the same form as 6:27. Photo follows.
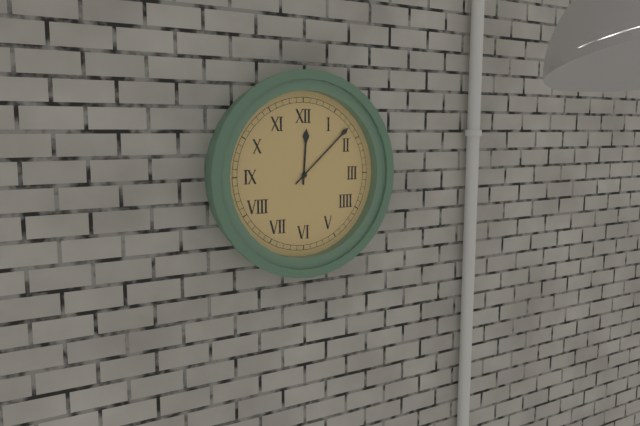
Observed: 12:08
